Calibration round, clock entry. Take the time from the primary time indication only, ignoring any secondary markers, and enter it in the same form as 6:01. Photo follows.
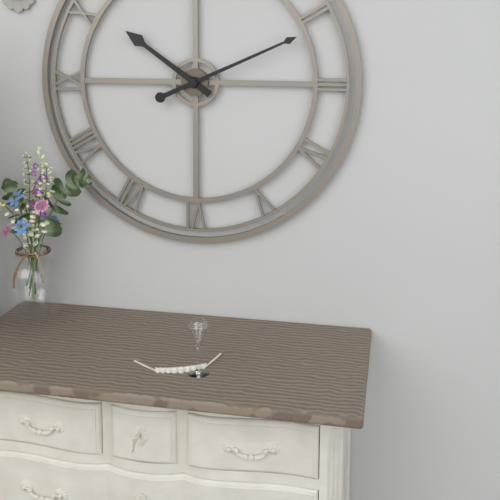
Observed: 10:11
